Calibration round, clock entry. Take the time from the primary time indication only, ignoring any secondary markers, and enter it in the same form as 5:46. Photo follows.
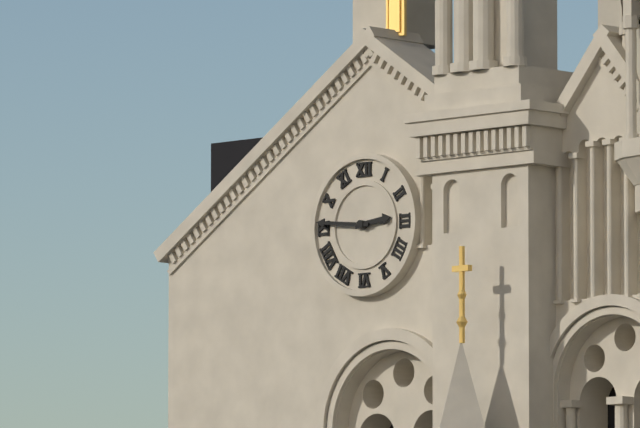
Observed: 2:46
